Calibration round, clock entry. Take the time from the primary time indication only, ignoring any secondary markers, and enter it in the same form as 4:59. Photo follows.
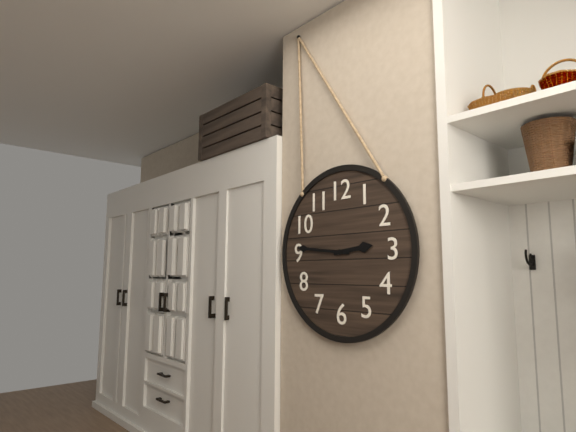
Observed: 2:46
